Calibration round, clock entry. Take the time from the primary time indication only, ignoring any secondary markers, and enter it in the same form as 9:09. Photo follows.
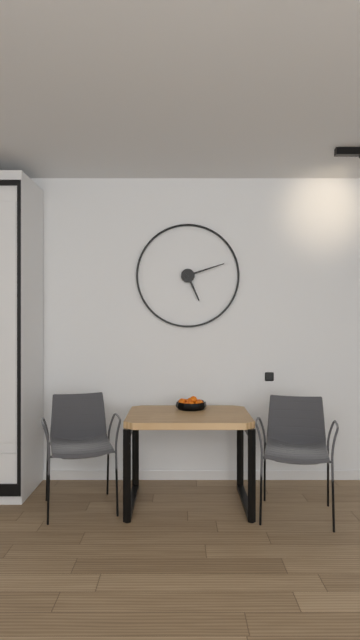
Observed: 5:12
